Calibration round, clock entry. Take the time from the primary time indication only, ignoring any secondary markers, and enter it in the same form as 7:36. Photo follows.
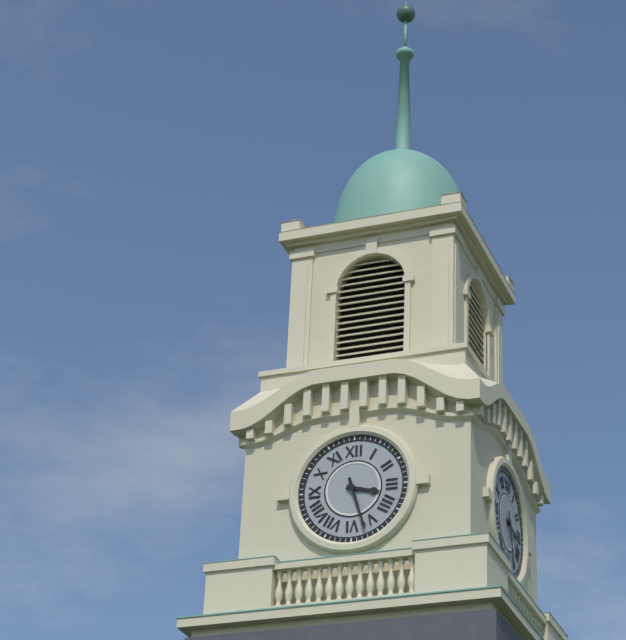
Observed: 3:27
